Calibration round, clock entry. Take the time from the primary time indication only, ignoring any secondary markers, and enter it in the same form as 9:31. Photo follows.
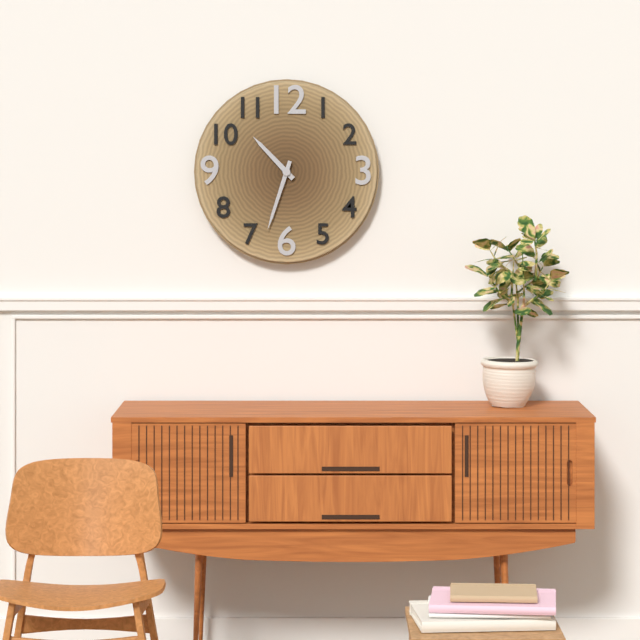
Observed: 10:33
